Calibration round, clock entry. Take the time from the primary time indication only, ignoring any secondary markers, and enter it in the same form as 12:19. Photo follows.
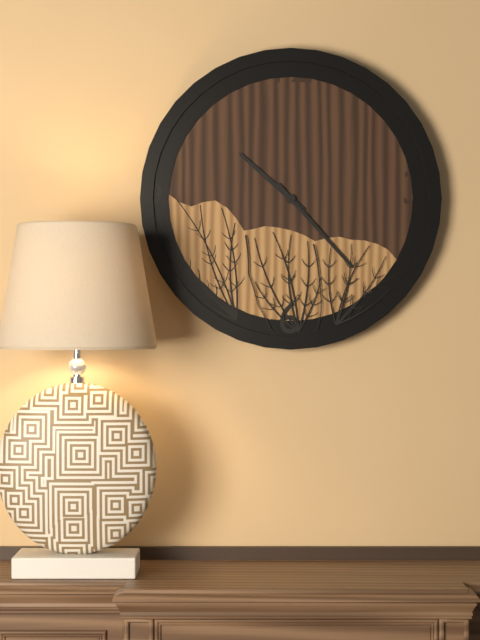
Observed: 10:23
